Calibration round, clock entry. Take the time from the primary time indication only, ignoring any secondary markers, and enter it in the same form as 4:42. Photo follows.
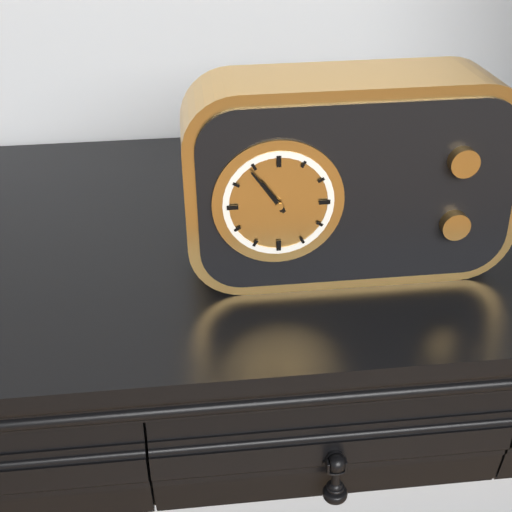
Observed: 10:54
